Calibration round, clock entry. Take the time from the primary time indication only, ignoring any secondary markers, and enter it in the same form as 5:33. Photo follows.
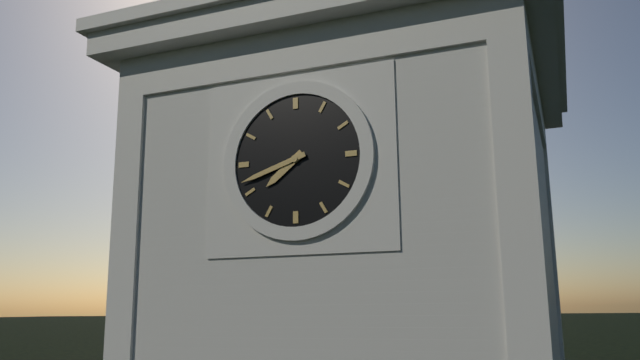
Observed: 7:42
